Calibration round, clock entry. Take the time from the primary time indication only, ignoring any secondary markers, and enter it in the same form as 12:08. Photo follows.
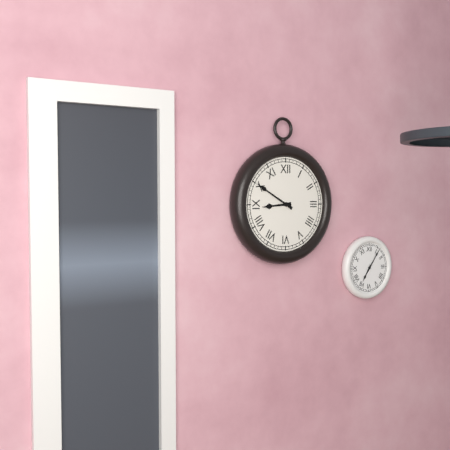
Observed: 8:50
